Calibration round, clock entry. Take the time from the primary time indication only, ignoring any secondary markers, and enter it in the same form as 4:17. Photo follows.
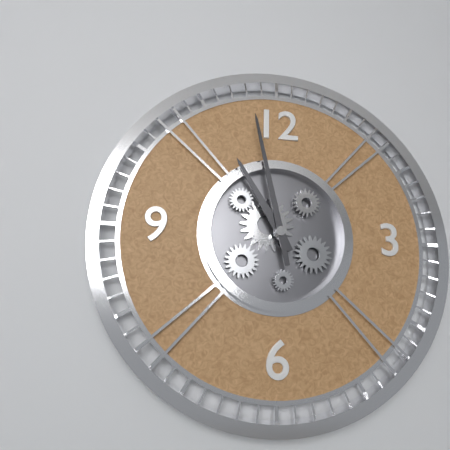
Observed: 10:58
